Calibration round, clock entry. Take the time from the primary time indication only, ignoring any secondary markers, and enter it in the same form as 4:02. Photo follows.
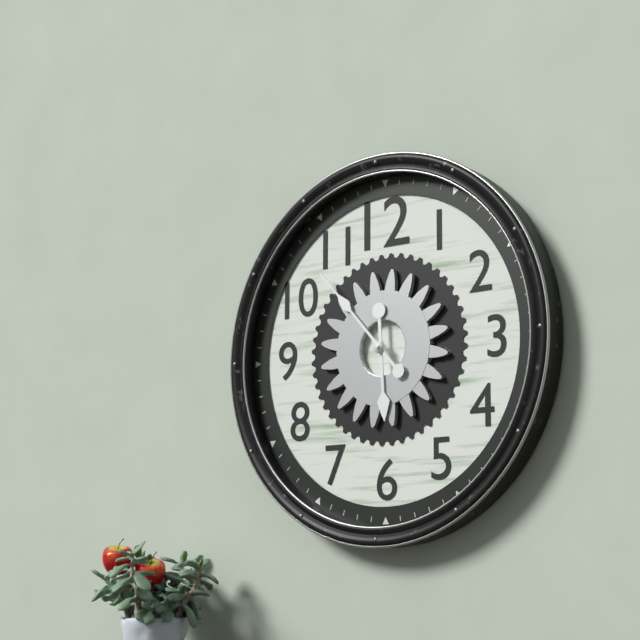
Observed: 5:53
